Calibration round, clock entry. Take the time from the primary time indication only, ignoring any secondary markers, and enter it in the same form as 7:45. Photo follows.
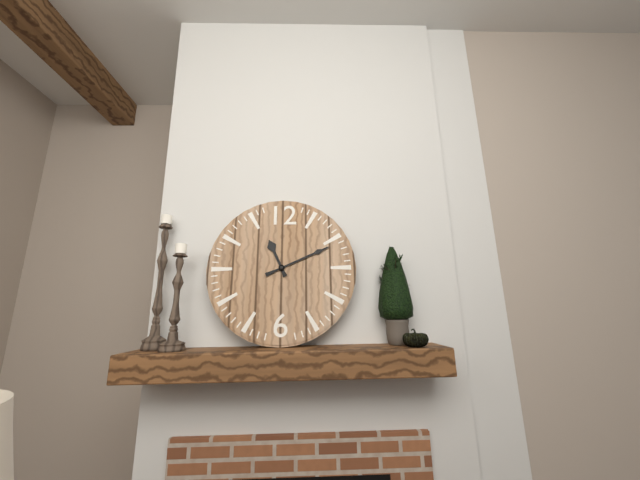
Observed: 11:11
